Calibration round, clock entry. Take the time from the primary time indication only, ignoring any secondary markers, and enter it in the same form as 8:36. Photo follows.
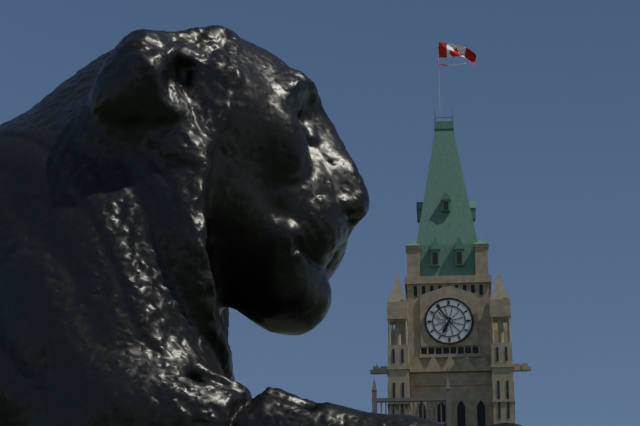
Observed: 6:54
